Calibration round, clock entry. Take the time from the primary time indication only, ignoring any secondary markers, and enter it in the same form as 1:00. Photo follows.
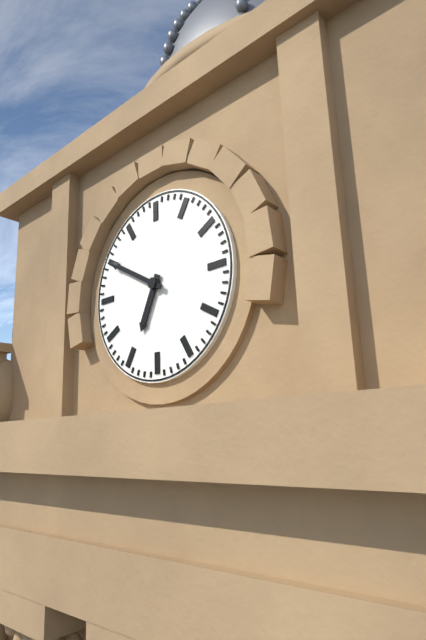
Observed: 6:50
